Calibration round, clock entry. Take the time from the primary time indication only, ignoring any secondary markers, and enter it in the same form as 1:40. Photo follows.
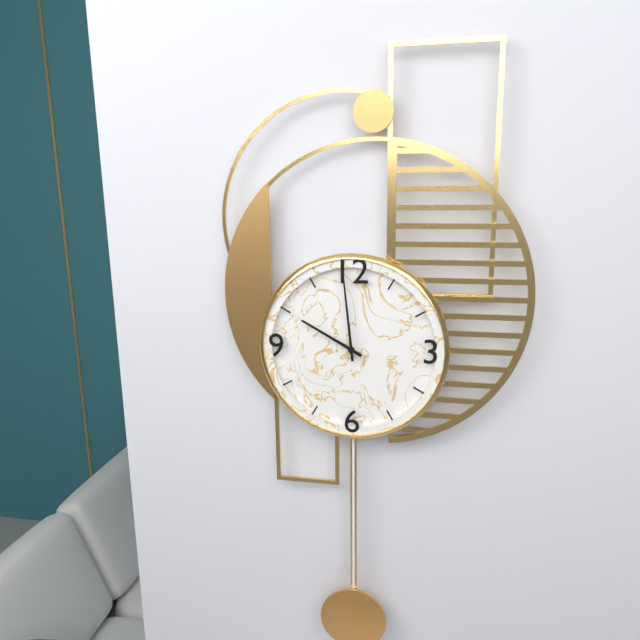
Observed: 9:59
